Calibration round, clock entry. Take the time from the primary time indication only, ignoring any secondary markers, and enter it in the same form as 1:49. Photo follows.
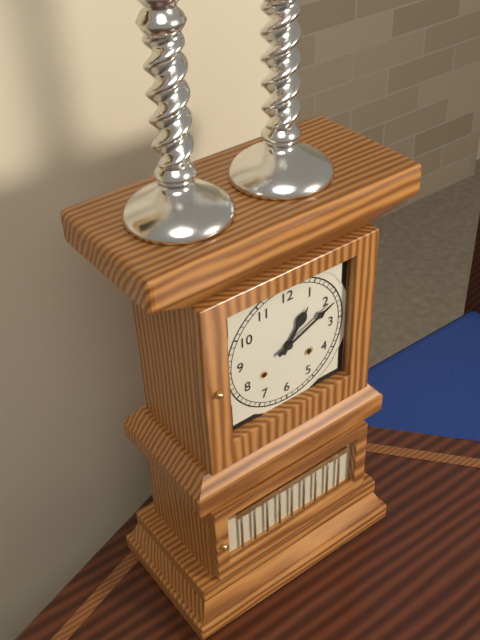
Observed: 1:11
